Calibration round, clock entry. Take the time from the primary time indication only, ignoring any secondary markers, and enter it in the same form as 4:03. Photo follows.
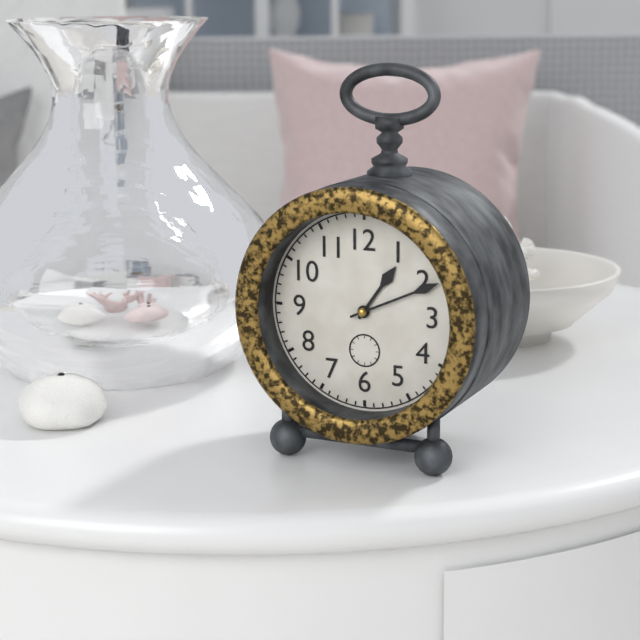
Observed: 1:11
